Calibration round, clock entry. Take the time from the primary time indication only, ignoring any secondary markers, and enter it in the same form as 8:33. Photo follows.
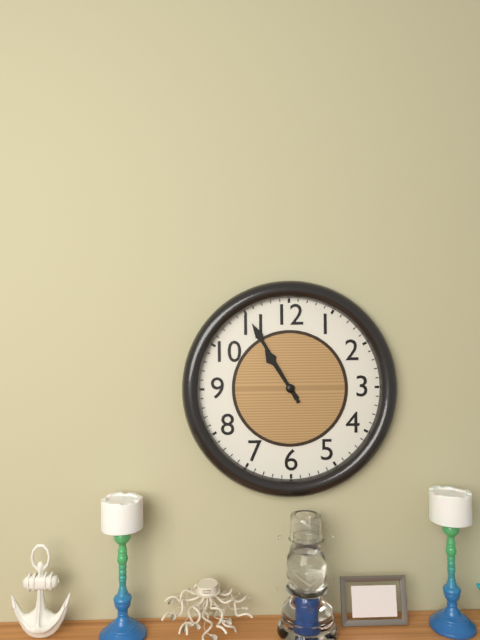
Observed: 10:55
